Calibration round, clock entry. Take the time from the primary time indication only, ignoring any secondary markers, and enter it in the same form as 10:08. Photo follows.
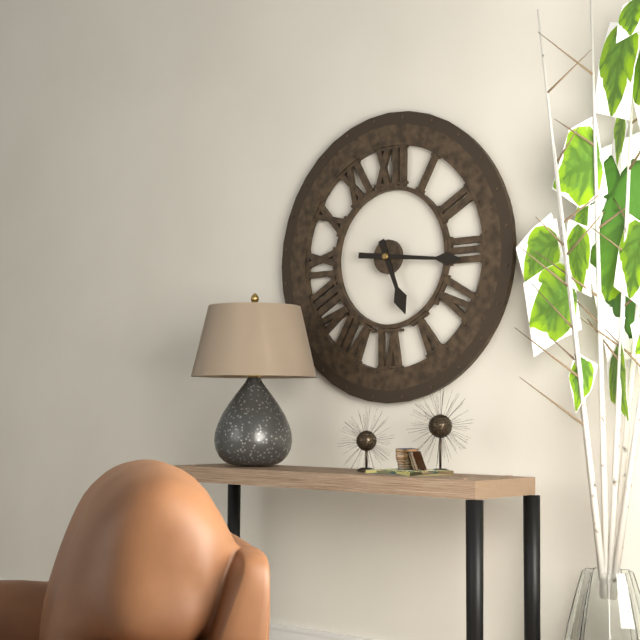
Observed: 5:16
